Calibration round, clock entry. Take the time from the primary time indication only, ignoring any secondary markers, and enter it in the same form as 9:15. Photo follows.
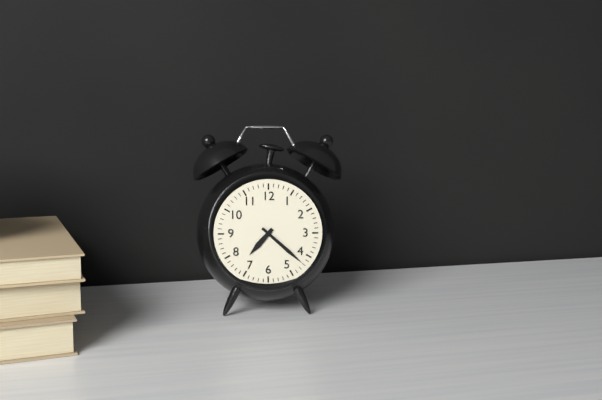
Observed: 7:22
